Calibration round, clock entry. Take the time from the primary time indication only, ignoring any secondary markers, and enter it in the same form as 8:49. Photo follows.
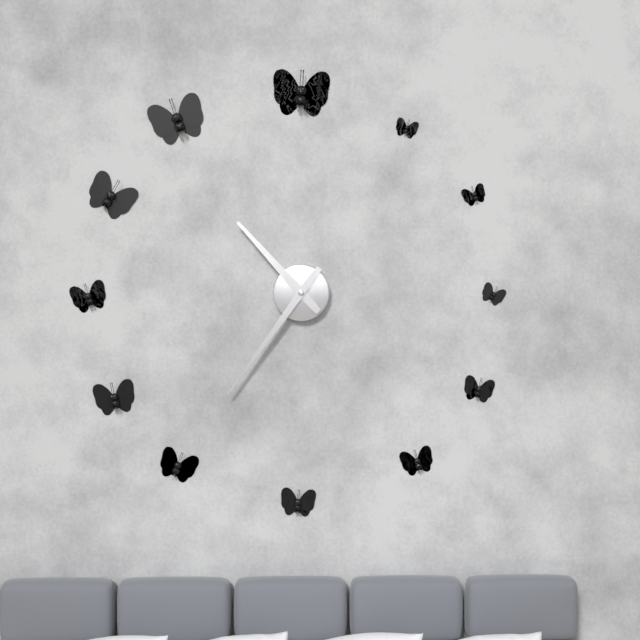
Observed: 10:36
